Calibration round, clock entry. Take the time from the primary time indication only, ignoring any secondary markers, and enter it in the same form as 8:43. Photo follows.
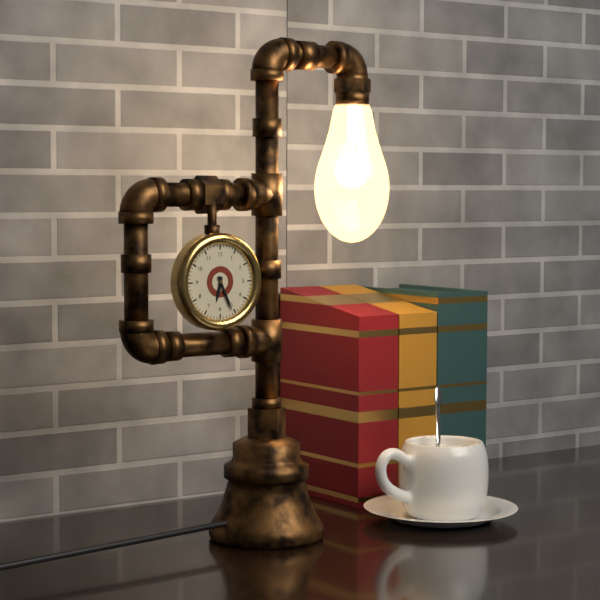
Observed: 6:26
